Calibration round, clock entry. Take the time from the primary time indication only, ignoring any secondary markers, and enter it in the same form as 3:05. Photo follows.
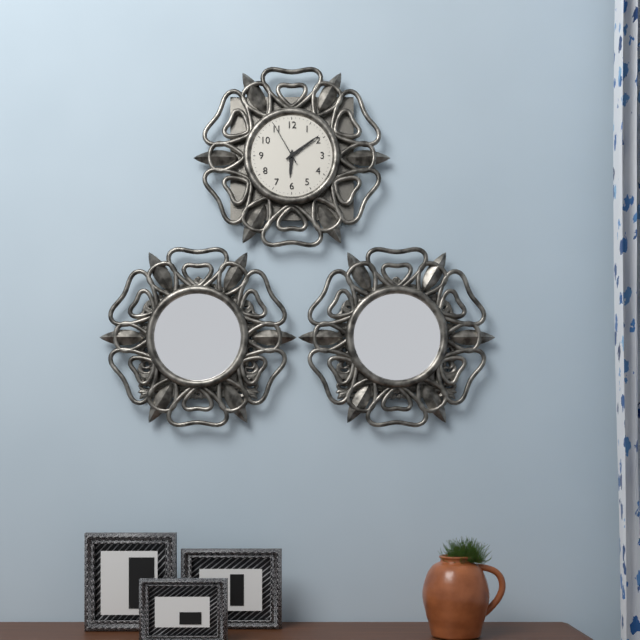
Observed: 6:09
